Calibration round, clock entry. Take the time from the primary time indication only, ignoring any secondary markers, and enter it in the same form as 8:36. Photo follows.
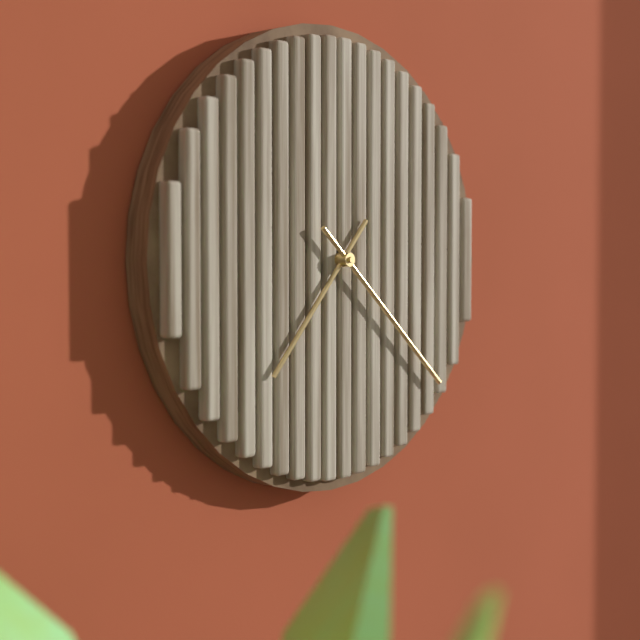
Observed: 7:22
